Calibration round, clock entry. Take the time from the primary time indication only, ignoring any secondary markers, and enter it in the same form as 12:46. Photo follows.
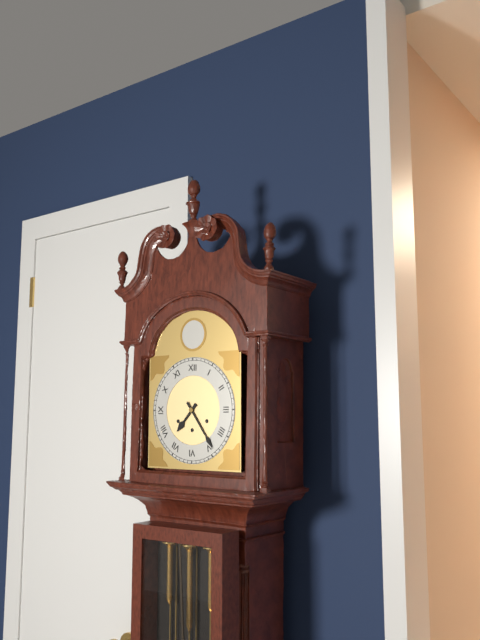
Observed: 7:24
